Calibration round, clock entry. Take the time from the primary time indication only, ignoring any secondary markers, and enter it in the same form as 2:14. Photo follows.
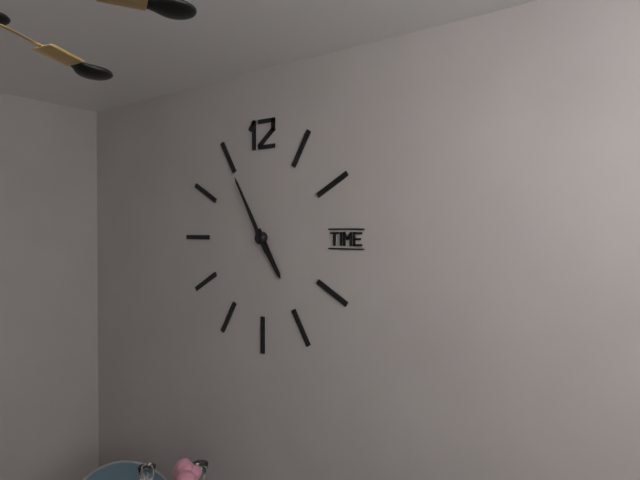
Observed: 4:55
